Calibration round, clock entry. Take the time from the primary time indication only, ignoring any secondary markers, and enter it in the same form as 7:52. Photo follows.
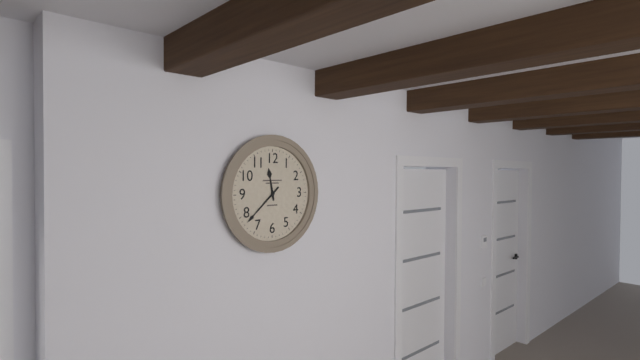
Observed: 11:38
